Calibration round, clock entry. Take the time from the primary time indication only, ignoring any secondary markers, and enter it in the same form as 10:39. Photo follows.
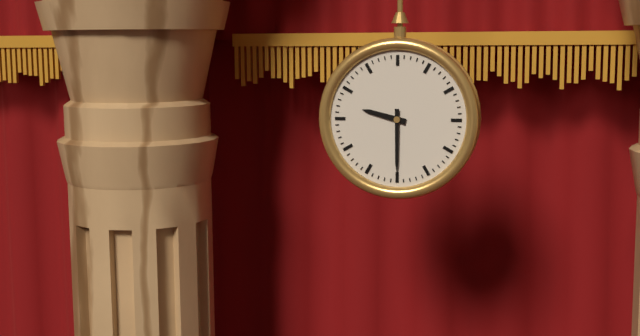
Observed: 9:30
